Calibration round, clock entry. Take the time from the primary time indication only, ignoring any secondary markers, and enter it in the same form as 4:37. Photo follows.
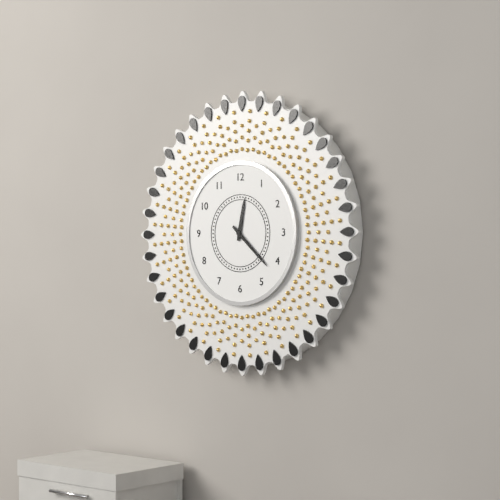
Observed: 12:22
